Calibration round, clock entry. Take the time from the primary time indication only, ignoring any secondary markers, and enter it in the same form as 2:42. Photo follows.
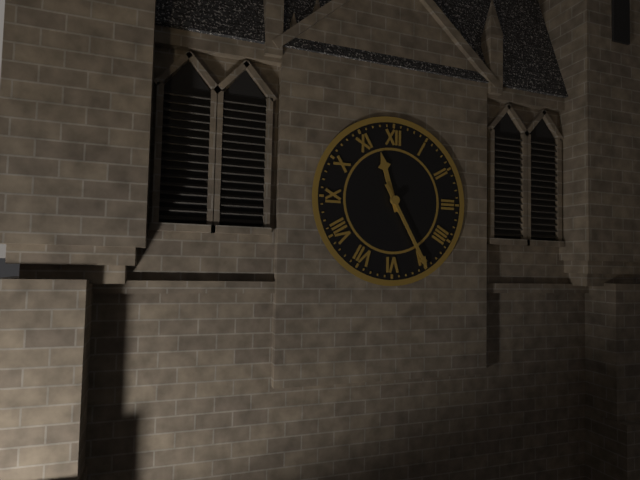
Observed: 11:25
